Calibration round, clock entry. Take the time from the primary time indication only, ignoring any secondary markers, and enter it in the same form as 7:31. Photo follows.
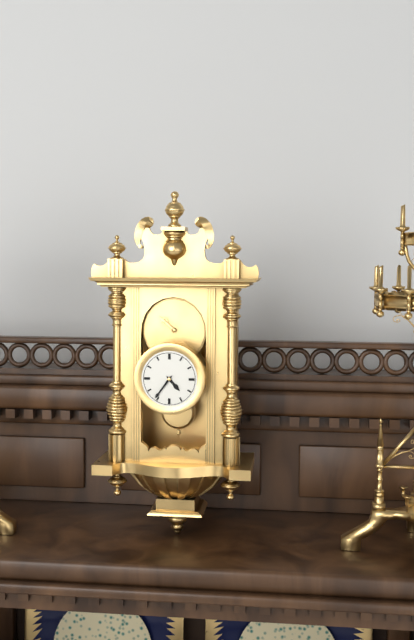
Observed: 4:36
